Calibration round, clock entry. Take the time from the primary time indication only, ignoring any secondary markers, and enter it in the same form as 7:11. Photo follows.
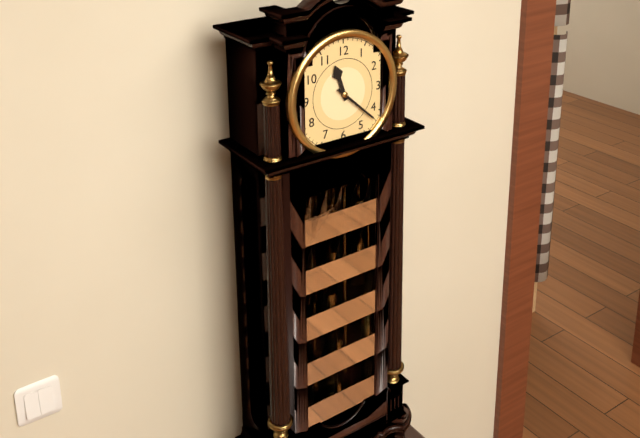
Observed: 11:22
